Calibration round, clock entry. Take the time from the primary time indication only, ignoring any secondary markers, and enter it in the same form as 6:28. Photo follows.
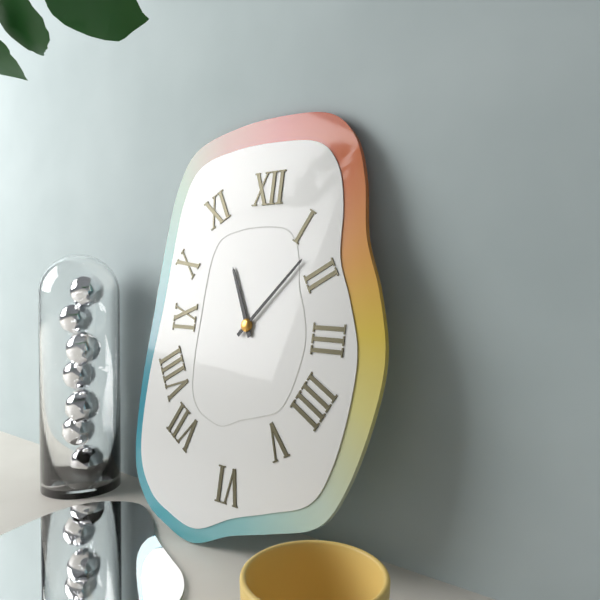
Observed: 11:07
